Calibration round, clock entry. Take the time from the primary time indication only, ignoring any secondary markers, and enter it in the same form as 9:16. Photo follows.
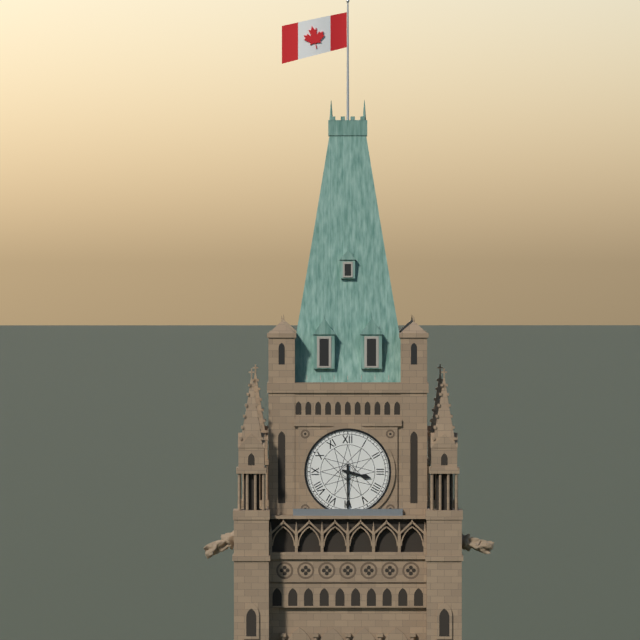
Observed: 3:30
